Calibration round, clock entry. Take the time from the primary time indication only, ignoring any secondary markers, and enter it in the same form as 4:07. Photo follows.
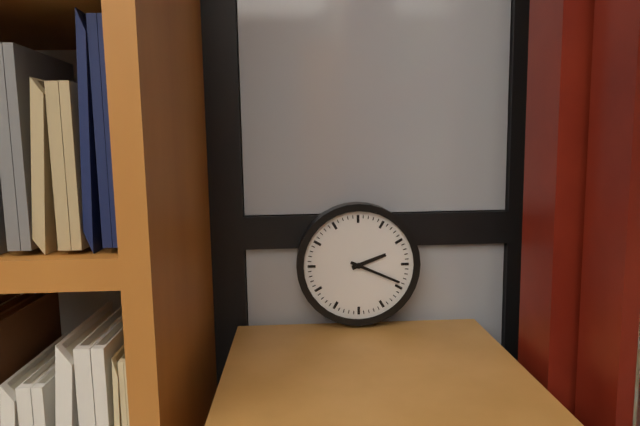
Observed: 2:19
